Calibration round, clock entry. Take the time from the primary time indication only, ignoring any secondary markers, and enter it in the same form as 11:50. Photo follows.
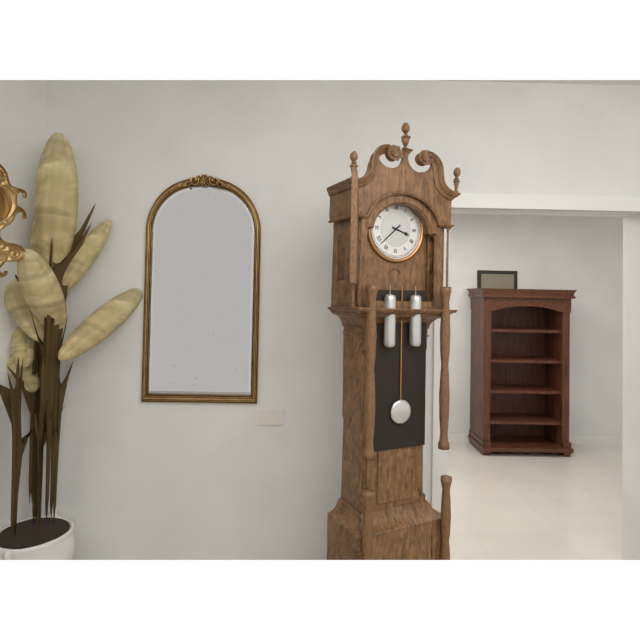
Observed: 3:38
